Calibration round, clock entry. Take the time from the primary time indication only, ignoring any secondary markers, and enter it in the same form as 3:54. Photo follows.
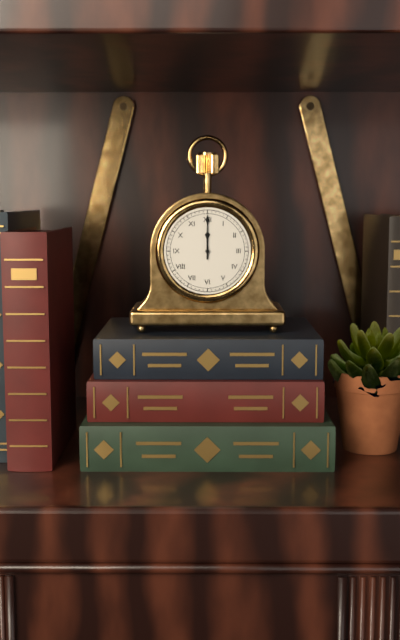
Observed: 12:00
